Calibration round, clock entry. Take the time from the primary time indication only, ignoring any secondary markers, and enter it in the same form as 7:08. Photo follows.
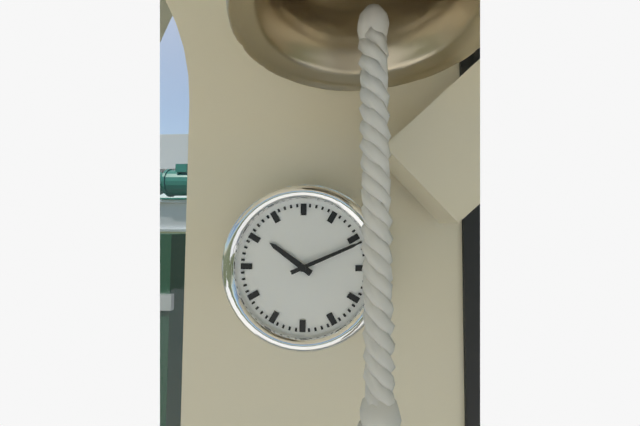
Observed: 10:11
